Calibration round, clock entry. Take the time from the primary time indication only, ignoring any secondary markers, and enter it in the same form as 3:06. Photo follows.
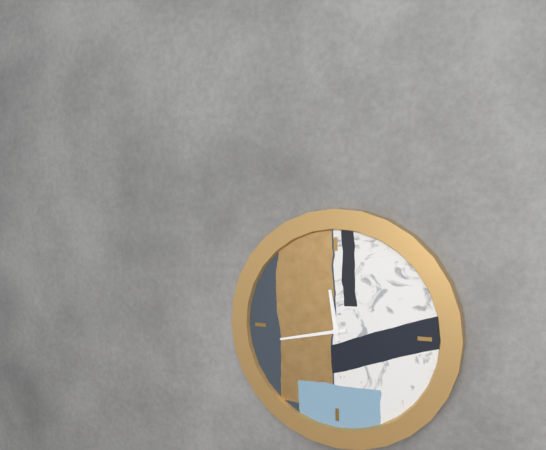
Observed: 11:43
